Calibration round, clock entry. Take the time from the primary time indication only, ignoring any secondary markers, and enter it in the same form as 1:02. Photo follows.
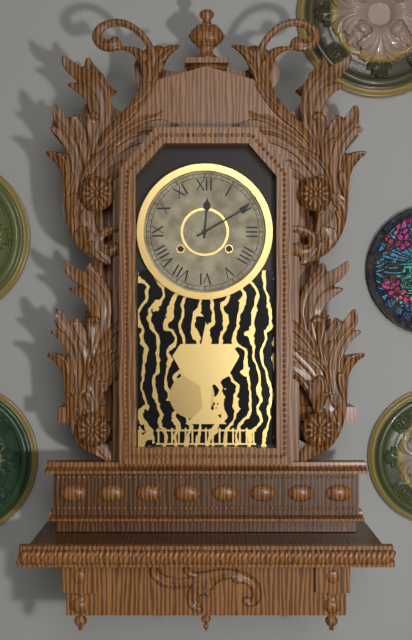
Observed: 12:10
